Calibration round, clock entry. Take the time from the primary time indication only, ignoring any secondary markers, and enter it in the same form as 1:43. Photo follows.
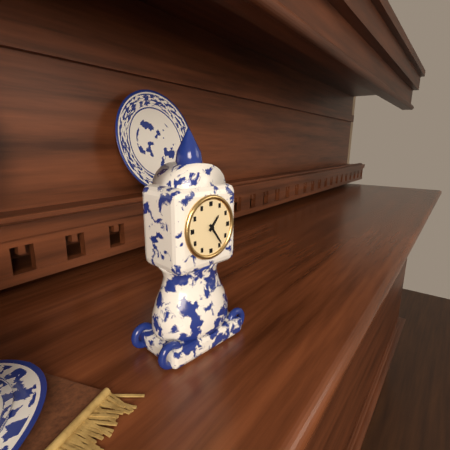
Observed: 1:24
